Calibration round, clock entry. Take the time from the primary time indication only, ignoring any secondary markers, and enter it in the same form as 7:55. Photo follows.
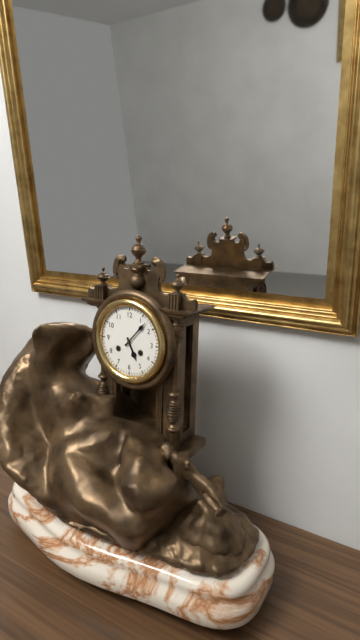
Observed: 5:07
